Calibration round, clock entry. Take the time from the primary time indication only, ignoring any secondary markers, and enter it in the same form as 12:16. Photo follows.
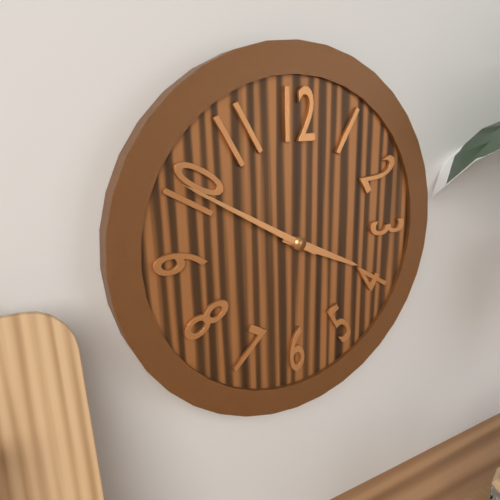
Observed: 3:50
